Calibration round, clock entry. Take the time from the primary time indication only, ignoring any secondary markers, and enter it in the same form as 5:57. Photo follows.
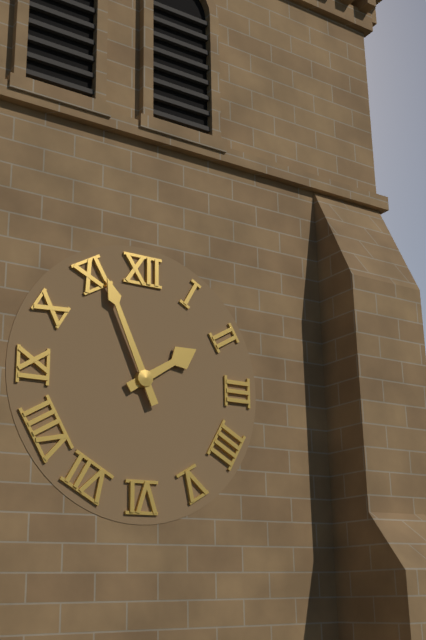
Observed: 1:56
